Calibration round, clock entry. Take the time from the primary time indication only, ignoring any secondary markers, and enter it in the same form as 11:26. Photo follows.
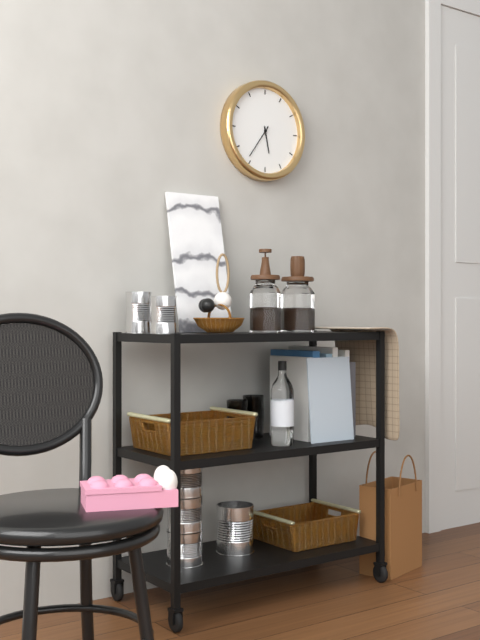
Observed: 5:36
